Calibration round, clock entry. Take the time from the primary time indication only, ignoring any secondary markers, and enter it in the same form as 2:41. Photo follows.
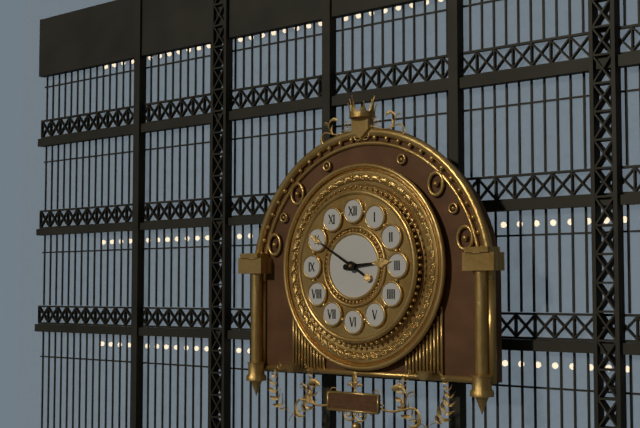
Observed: 2:50
